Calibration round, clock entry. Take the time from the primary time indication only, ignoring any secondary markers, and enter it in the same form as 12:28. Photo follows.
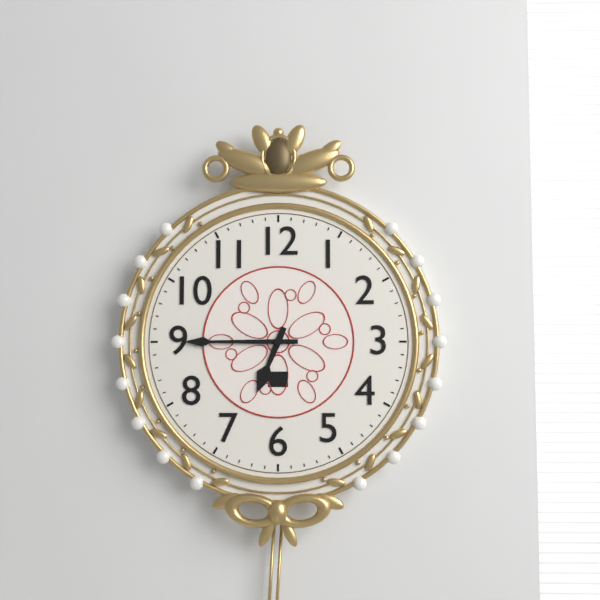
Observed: 6:45
